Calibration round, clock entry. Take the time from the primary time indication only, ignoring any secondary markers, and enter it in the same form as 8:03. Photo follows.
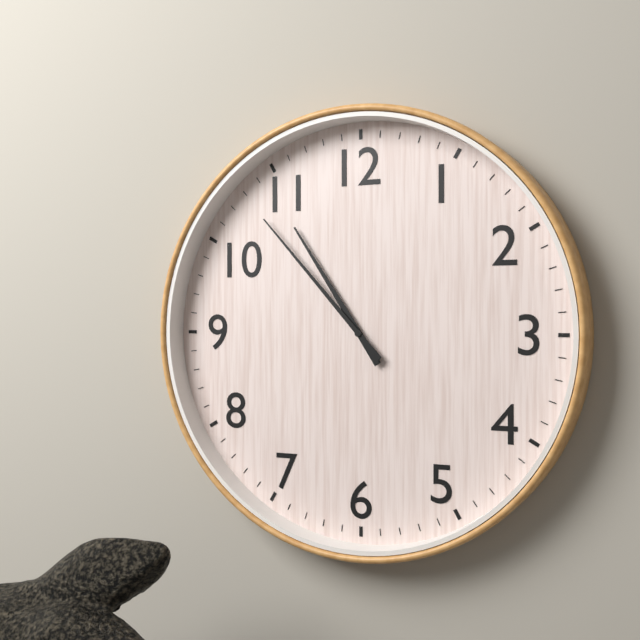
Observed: 10:53
